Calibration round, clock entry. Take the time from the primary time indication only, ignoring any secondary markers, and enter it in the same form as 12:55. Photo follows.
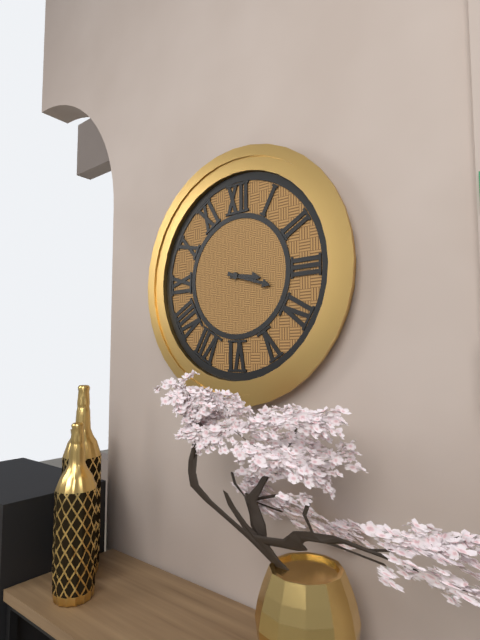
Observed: 3:18
